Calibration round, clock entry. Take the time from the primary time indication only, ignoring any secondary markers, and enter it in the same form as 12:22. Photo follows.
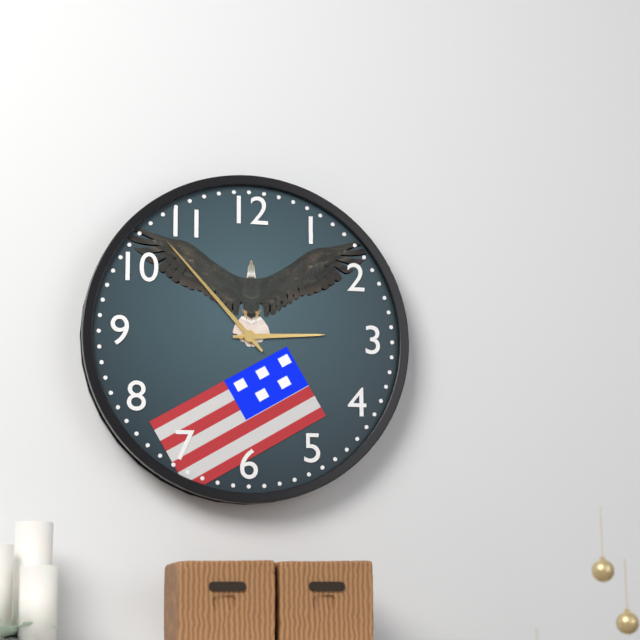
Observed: 2:53
